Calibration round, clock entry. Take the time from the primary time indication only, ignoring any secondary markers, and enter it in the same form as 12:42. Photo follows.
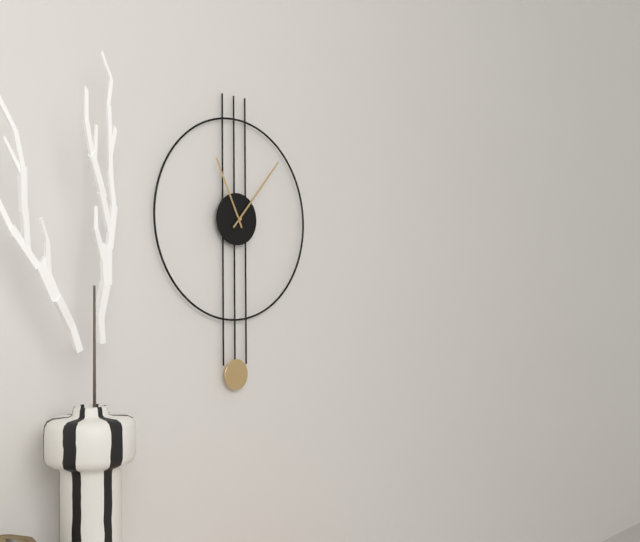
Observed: 11:07
